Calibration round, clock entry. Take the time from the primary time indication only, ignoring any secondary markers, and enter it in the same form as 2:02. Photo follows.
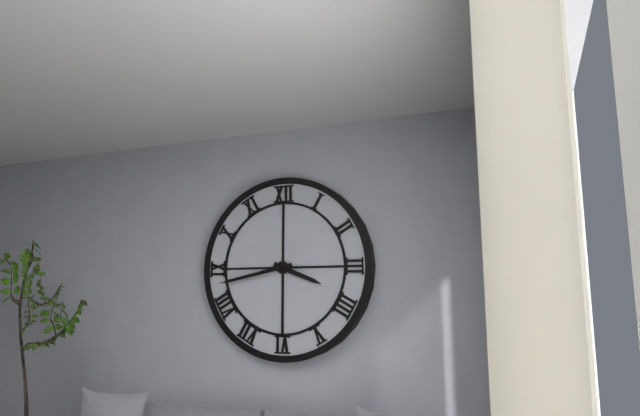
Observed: 3:43
